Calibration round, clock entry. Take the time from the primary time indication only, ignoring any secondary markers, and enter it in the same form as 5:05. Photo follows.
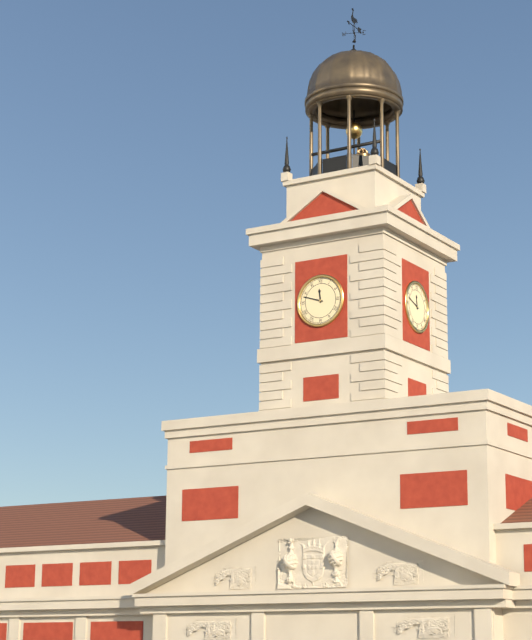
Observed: 11:48
